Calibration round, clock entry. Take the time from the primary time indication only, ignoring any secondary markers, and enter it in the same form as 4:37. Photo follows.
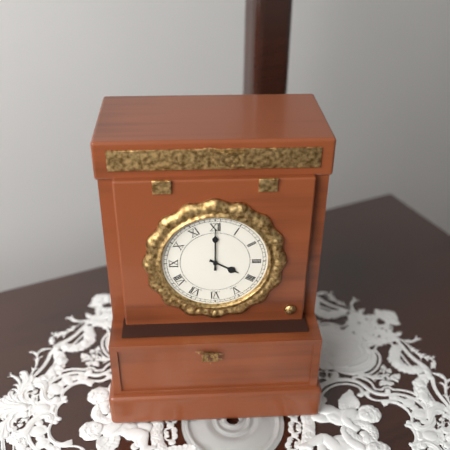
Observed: 4:00
